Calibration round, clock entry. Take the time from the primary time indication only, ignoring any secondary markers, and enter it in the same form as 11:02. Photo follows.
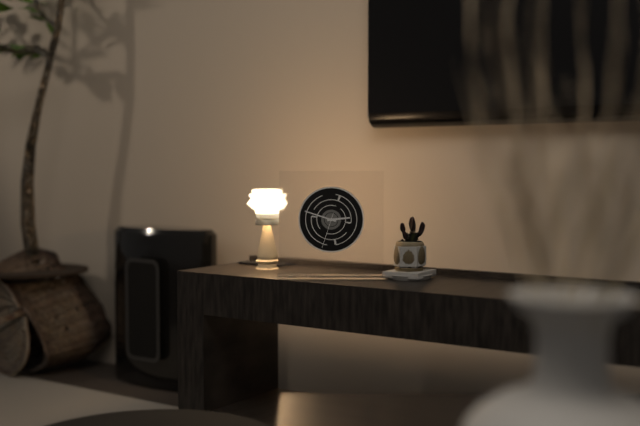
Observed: 2:48
